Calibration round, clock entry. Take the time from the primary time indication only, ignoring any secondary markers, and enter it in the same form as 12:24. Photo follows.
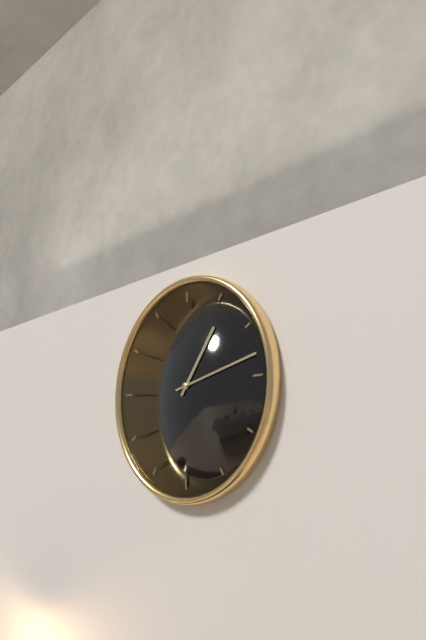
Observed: 1:13
